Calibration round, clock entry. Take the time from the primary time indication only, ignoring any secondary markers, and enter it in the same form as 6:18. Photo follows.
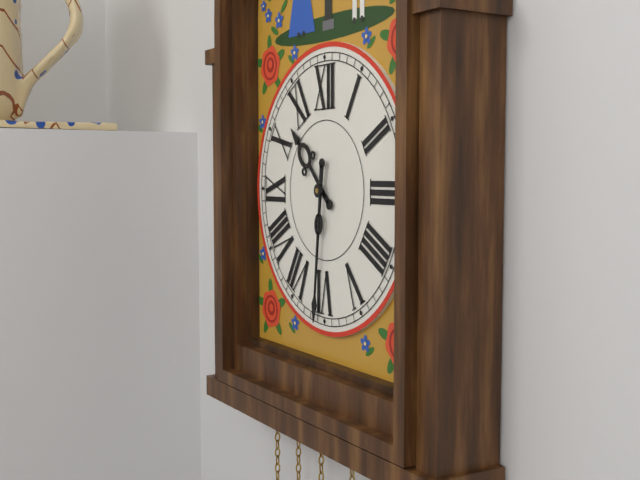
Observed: 10:31
